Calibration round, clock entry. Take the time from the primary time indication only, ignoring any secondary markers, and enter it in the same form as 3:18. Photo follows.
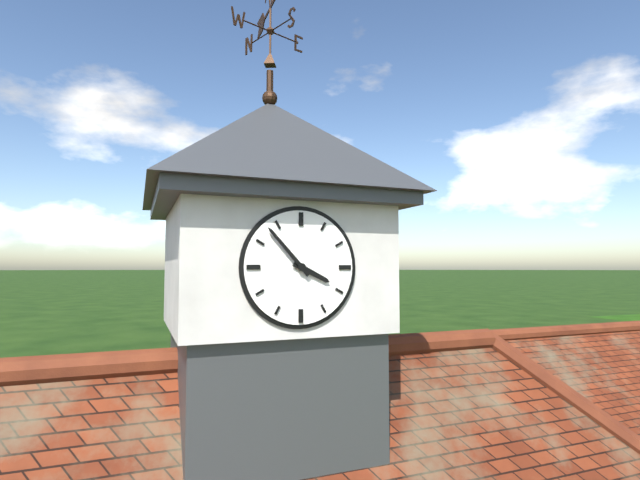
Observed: 3:53
